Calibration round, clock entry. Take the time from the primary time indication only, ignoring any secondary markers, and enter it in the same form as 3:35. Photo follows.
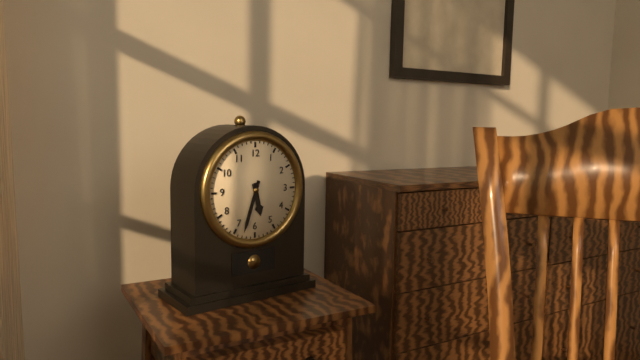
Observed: 5:33
